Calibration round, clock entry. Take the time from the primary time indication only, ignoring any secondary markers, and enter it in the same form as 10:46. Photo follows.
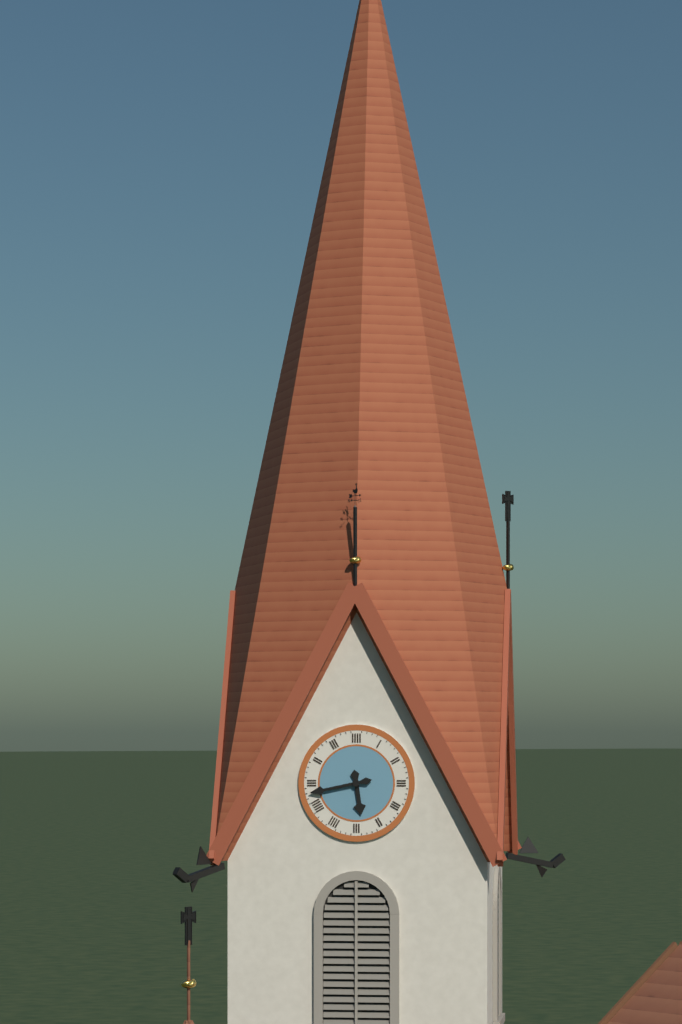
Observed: 5:43
